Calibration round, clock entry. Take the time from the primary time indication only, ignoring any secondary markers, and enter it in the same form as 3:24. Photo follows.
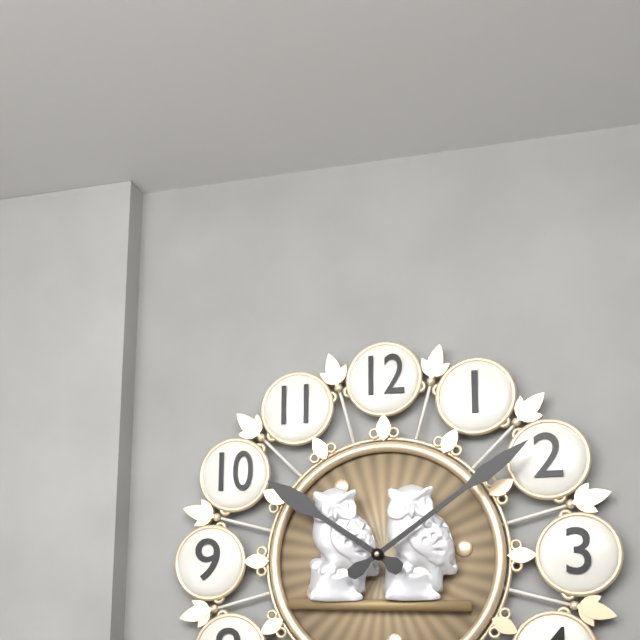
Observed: 10:09
